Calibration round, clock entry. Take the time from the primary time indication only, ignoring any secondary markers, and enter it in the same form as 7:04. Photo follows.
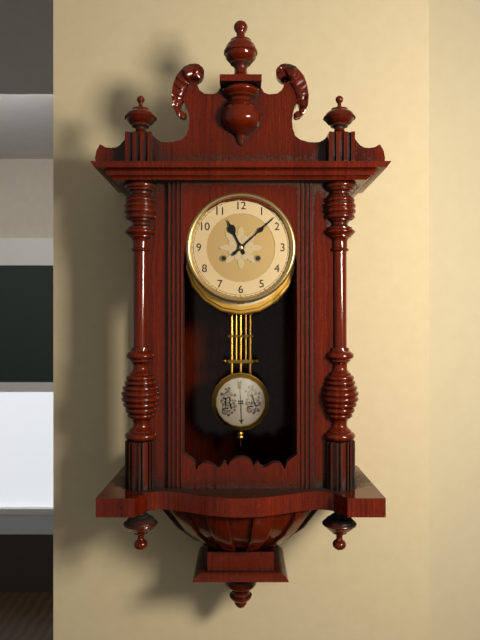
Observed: 11:08
